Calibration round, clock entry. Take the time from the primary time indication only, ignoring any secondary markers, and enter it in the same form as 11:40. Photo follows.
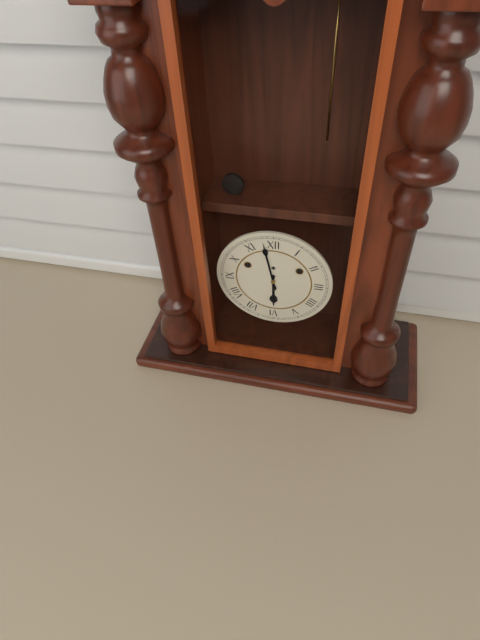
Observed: 5:58
